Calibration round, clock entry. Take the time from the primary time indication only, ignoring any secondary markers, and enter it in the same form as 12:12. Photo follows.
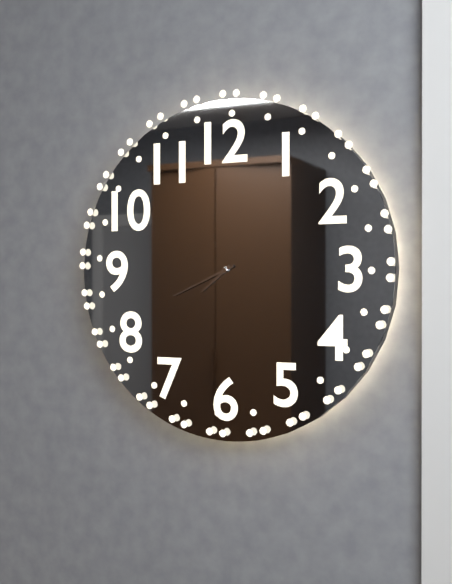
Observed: 7:41
